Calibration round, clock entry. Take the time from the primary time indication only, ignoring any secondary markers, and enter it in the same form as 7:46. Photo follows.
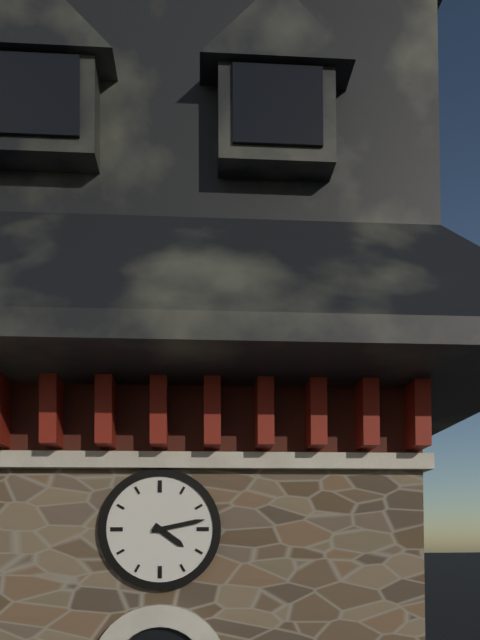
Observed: 4:13
